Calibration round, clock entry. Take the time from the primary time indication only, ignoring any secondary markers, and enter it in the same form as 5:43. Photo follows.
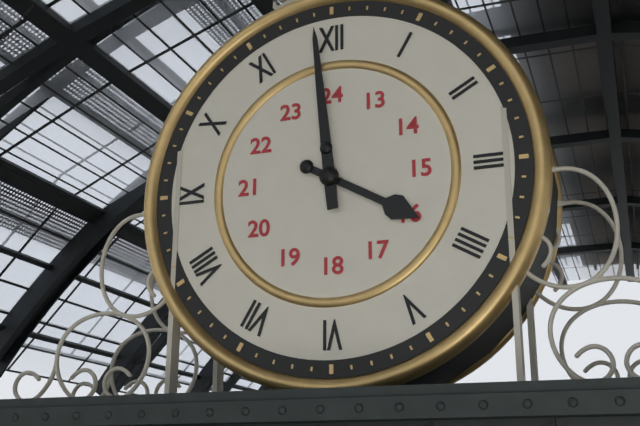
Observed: 3:59
